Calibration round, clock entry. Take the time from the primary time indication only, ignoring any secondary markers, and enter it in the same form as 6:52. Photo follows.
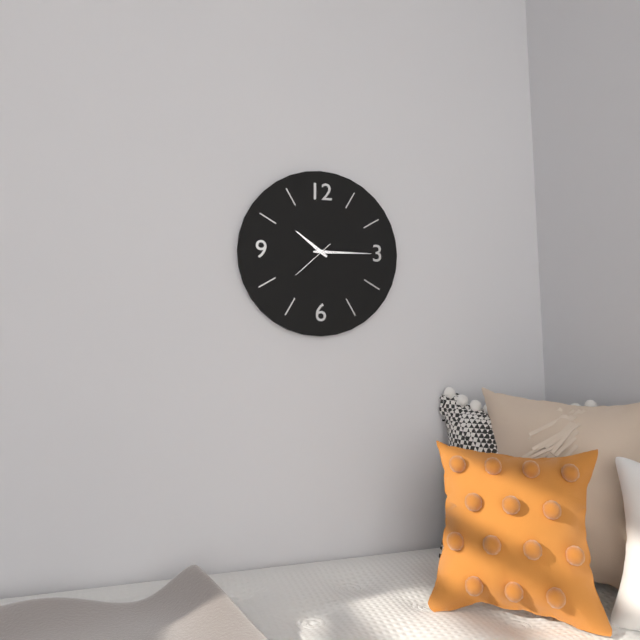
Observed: 10:15
